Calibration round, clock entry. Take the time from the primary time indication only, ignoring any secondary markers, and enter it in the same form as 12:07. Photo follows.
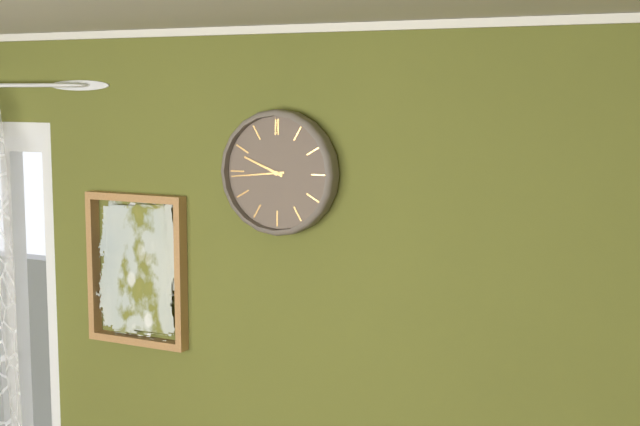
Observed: 9:44
